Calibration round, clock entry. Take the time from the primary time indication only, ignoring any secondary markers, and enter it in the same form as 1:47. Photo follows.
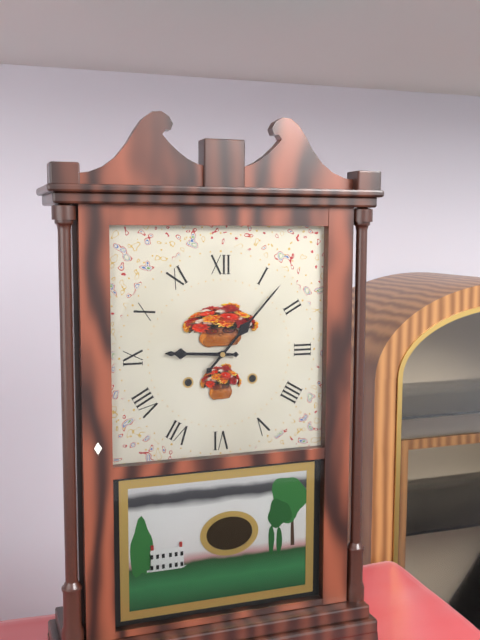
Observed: 9:07
